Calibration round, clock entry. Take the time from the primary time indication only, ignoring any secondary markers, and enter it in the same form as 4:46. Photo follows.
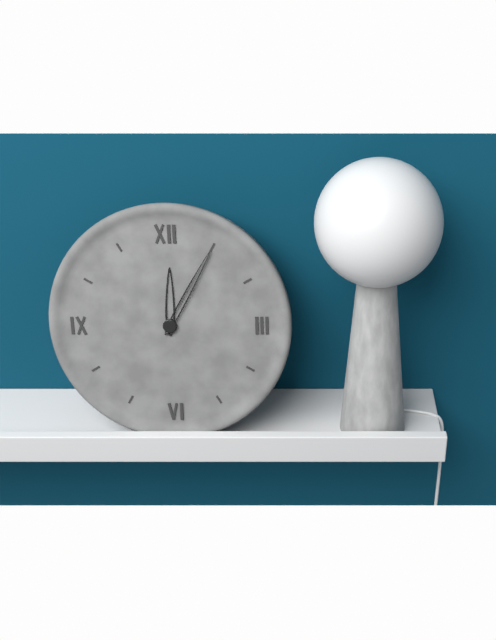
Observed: 12:05
